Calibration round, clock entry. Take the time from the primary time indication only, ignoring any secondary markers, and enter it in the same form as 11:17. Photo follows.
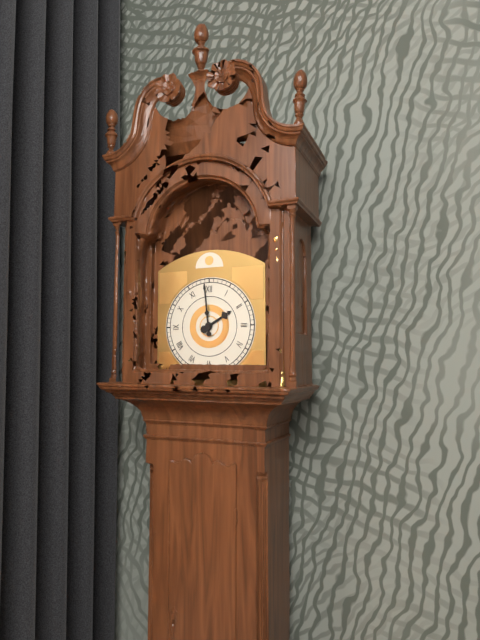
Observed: 1:59
